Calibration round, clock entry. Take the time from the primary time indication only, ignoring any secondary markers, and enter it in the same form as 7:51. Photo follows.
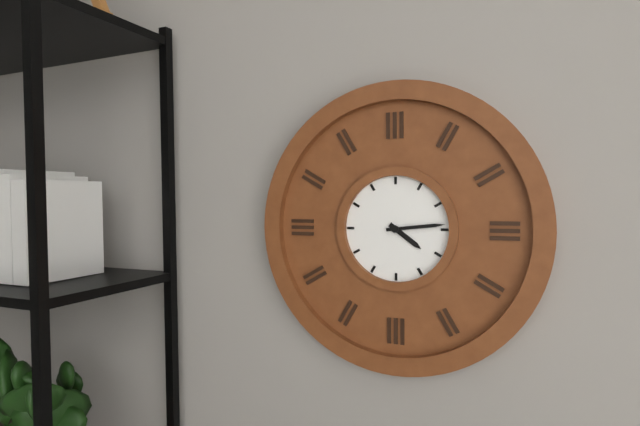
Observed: 4:14
